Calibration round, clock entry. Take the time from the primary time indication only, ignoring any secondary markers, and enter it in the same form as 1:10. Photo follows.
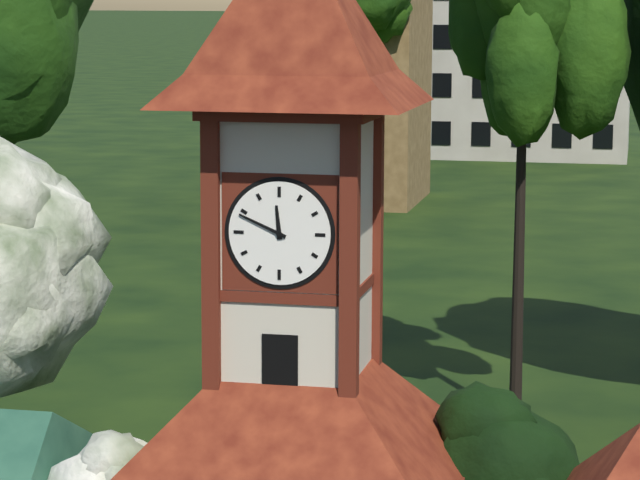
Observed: 11:49
